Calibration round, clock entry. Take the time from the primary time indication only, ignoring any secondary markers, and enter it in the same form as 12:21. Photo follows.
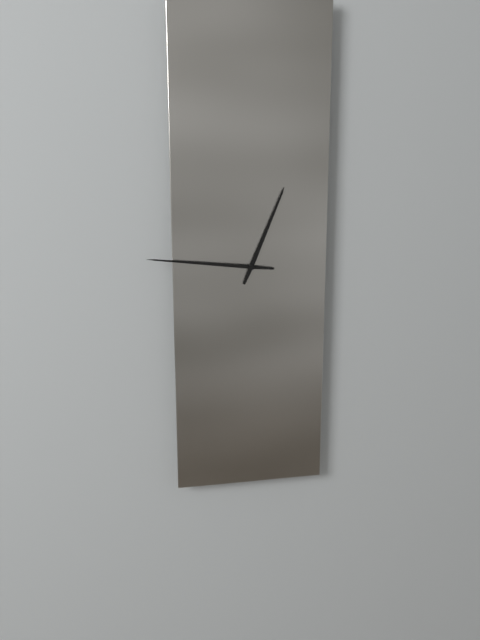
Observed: 12:46
